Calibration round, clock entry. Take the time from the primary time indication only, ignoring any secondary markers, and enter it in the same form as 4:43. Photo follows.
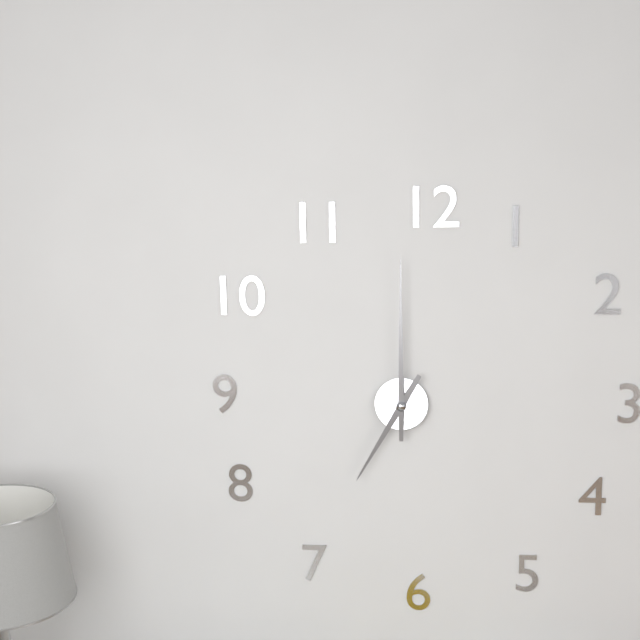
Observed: 7:00
